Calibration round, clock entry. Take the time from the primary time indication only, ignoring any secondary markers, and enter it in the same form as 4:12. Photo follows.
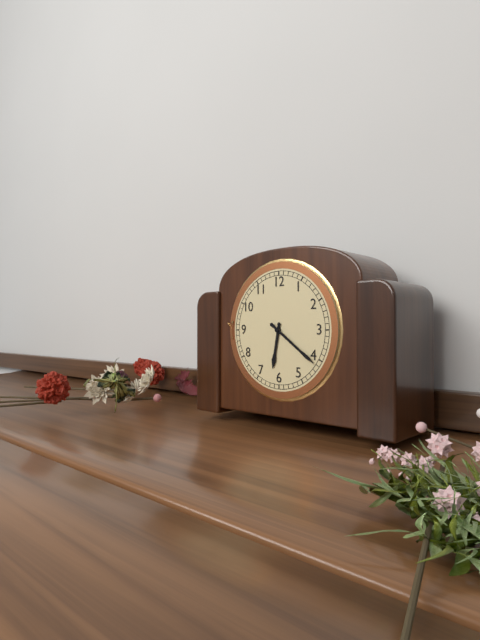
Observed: 6:21
